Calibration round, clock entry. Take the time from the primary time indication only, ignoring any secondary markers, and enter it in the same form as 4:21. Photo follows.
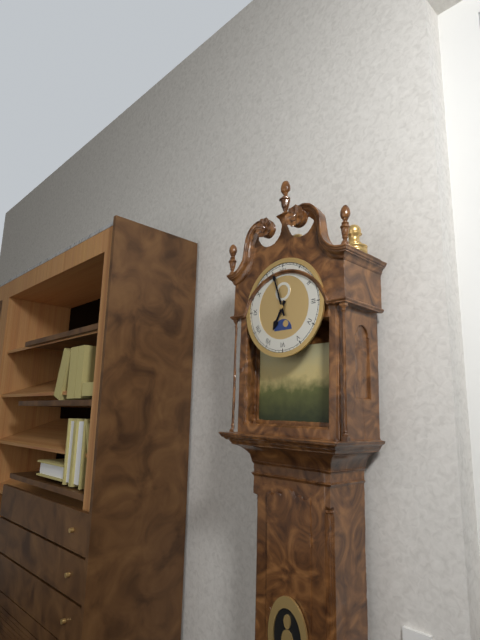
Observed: 6:57
